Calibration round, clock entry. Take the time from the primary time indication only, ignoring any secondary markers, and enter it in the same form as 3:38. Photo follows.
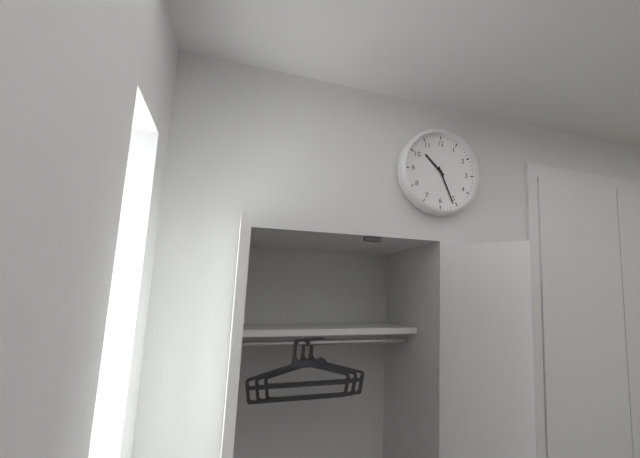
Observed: 10:26
